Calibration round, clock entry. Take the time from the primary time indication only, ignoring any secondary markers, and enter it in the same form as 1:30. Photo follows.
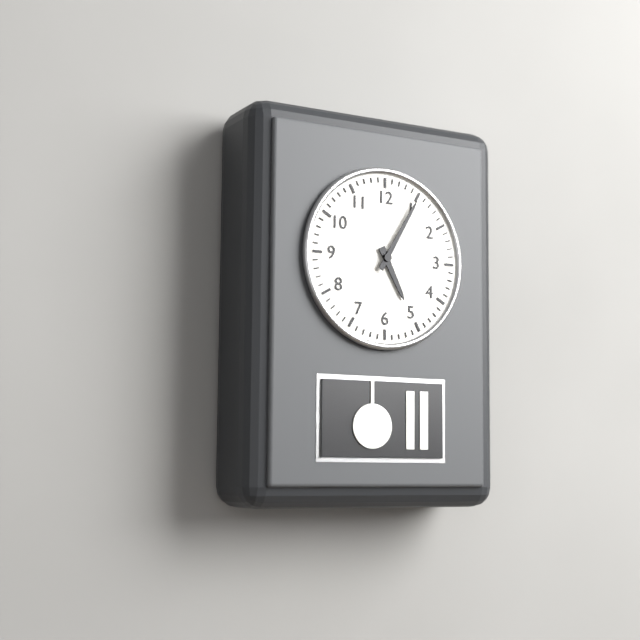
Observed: 5:05
